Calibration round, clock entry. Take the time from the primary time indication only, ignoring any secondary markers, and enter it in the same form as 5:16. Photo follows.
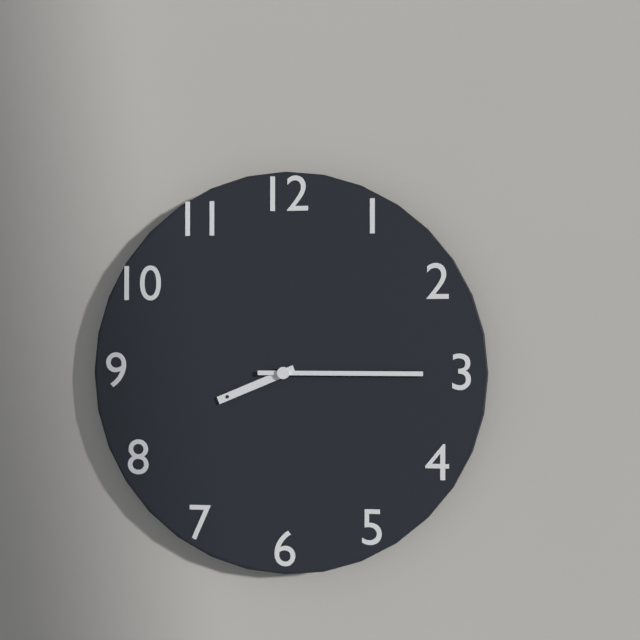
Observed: 8:15
